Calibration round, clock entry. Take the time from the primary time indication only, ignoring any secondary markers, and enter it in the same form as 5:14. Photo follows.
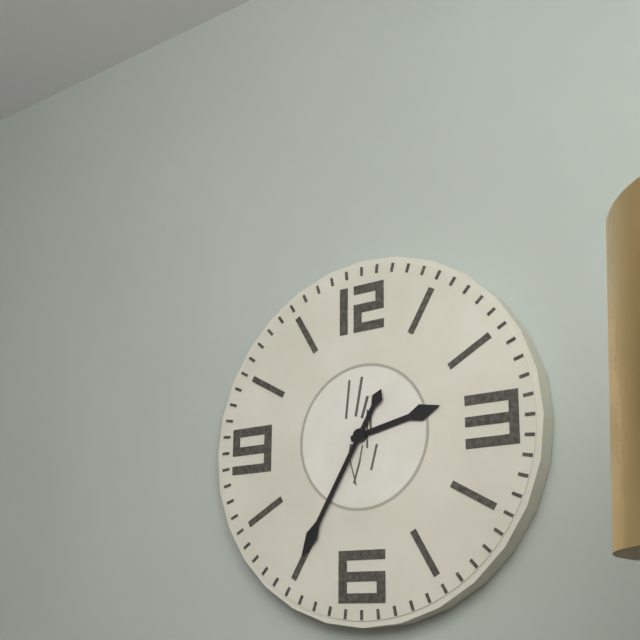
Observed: 2:35
